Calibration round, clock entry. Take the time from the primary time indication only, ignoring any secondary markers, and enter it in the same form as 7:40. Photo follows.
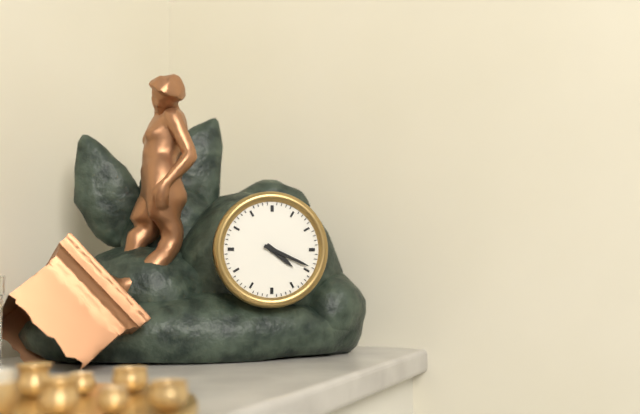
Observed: 4:19
